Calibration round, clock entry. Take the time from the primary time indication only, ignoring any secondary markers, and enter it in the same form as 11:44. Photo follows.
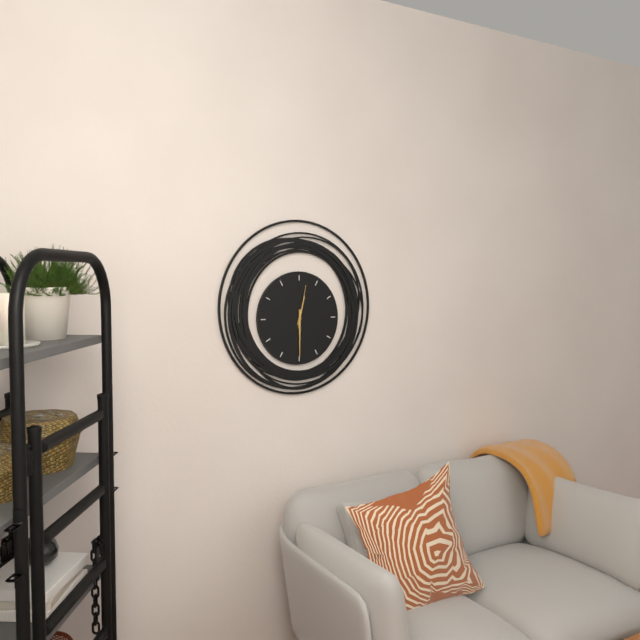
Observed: 12:30
